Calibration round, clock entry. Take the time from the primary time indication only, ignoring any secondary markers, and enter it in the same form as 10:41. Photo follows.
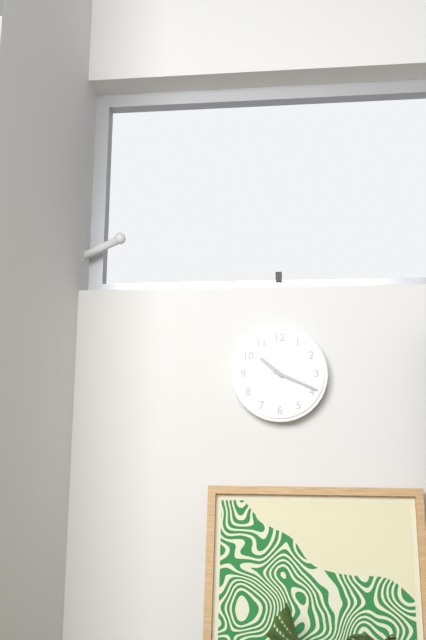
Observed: 10:19
